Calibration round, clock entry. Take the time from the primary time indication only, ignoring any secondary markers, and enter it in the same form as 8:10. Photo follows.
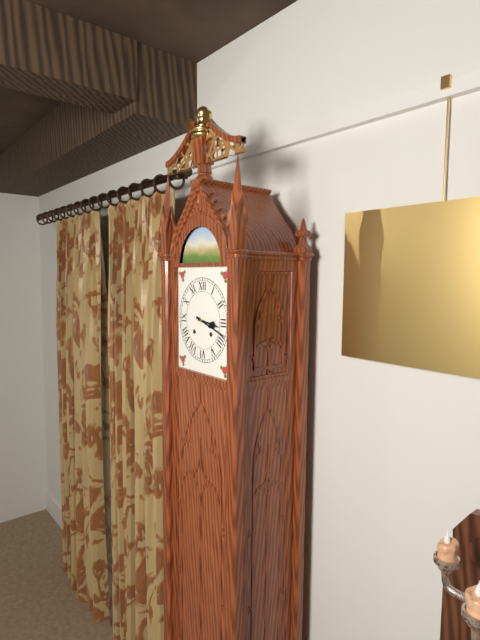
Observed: 3:18
